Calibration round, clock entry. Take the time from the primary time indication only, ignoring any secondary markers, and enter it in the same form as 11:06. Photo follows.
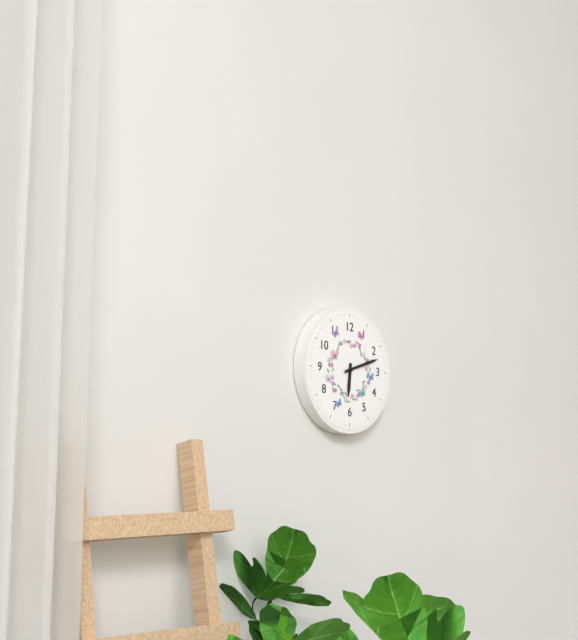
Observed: 6:12
